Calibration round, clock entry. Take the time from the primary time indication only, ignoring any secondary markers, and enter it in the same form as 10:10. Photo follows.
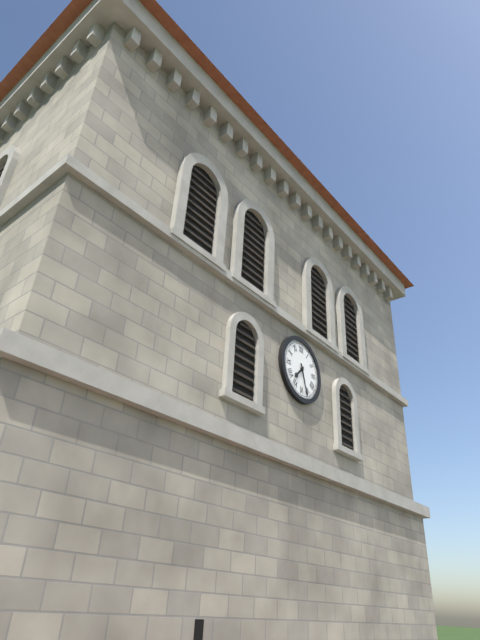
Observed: 7:27
